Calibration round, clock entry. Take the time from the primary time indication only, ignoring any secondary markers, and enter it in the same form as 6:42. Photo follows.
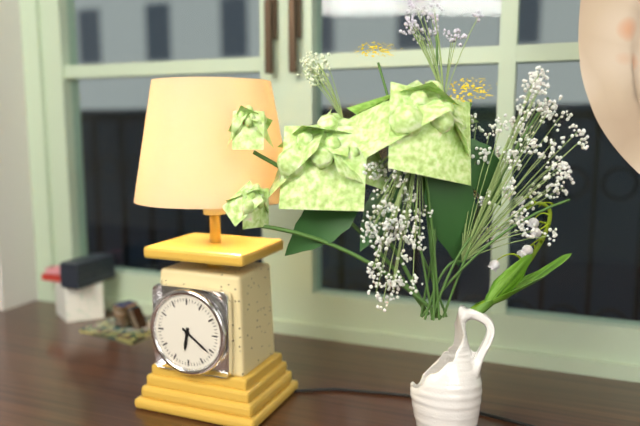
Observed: 6:21
